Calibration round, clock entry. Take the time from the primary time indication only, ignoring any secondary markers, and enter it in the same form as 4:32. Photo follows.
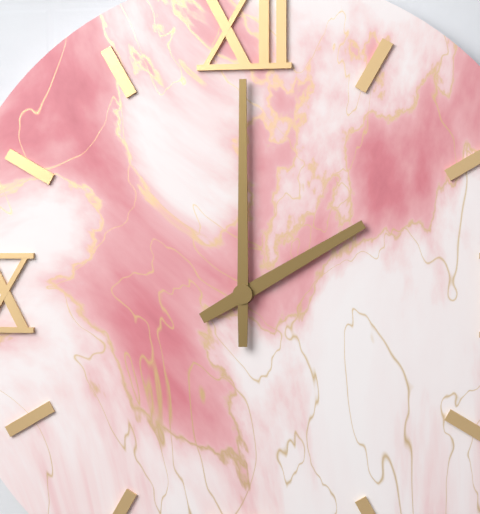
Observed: 2:00
